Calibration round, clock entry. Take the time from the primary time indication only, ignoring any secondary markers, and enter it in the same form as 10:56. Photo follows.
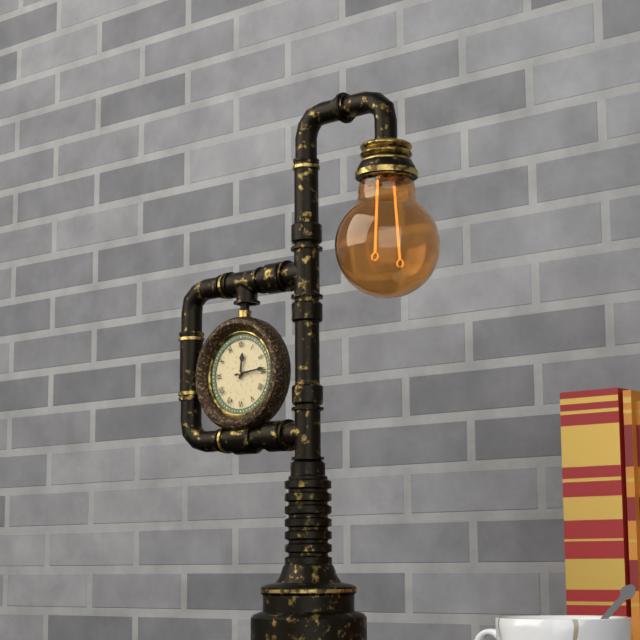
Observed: 12:14
